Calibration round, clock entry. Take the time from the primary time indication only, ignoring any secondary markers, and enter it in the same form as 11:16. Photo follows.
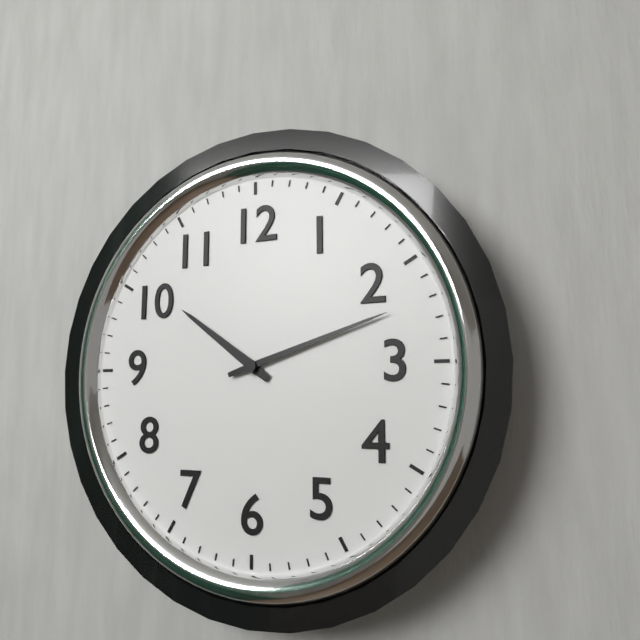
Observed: 10:12
